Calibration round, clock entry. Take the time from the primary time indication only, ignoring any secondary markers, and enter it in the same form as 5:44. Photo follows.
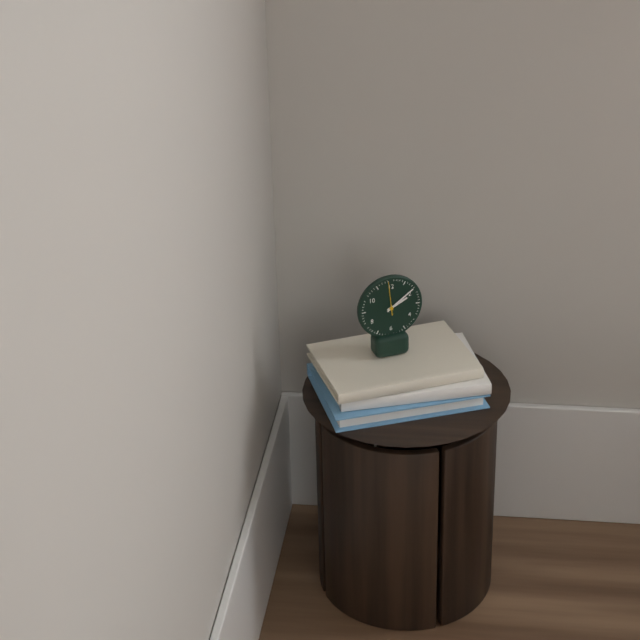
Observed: 2:09
